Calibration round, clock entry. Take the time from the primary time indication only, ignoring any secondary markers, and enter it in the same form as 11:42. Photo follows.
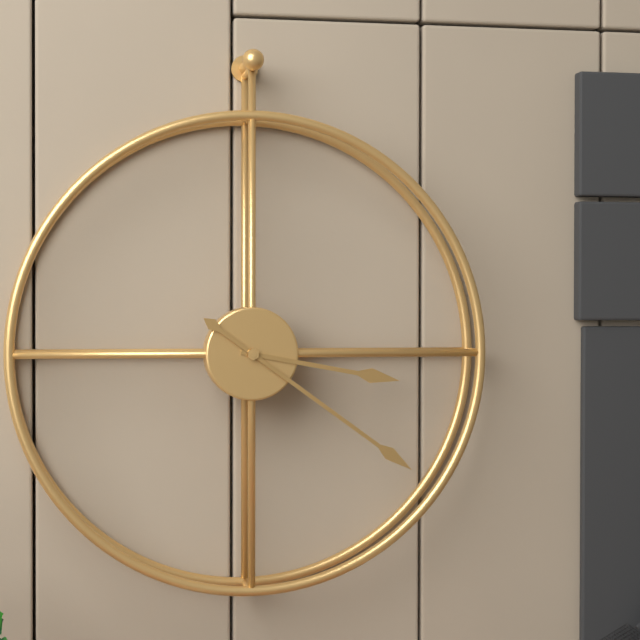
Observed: 3:21
